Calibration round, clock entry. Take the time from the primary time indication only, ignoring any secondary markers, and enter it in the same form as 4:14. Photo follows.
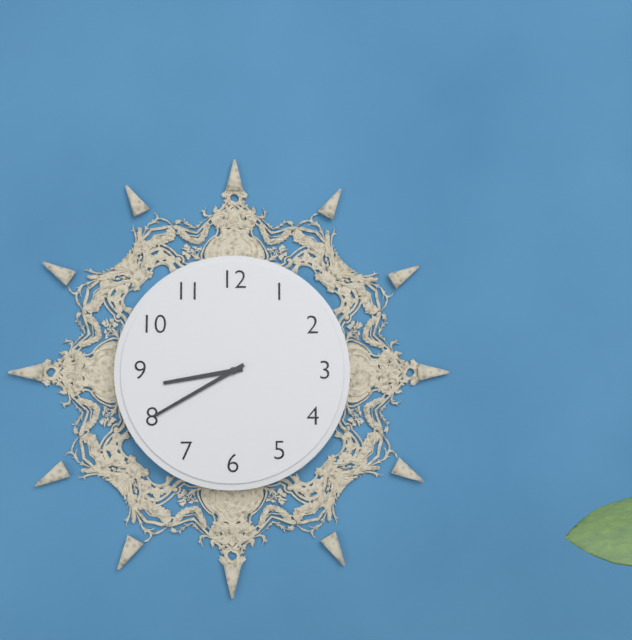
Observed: 8:40
